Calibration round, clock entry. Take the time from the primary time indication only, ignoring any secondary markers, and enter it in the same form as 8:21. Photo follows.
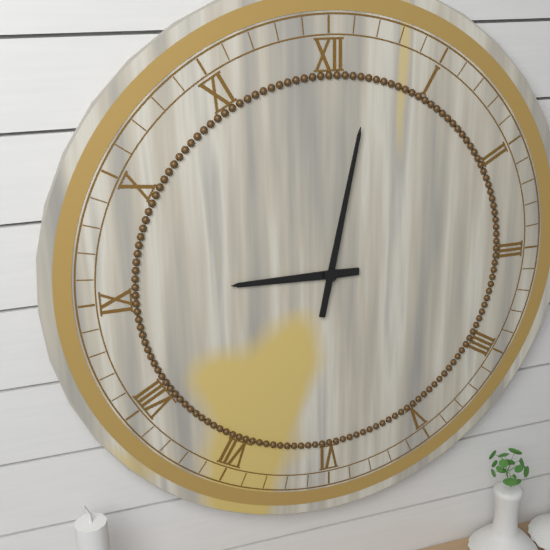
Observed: 9:02
